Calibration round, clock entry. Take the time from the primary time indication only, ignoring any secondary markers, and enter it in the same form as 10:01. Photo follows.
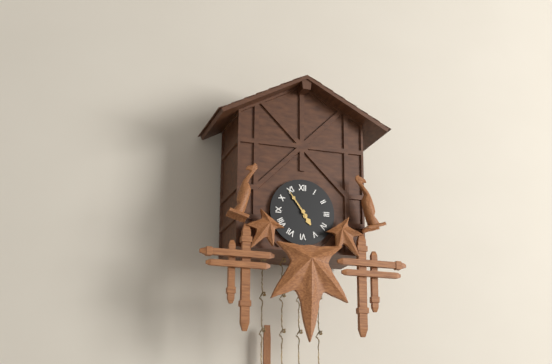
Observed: 4:54
